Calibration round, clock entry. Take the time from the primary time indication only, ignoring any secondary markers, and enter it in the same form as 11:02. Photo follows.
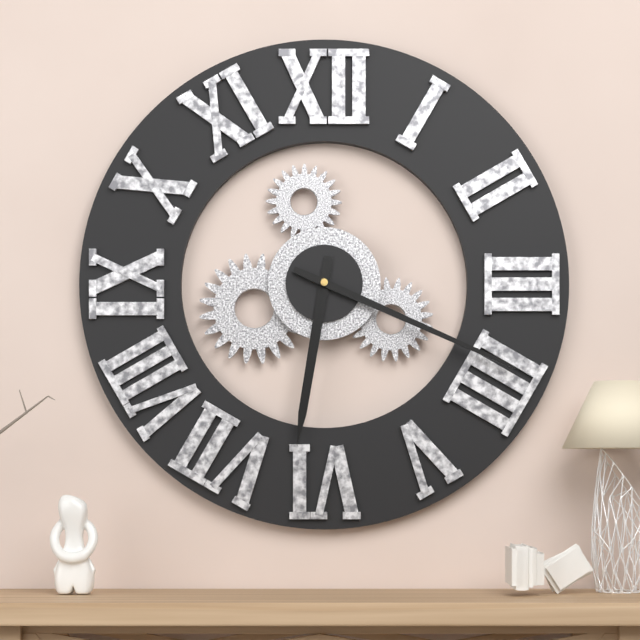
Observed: 6:19
